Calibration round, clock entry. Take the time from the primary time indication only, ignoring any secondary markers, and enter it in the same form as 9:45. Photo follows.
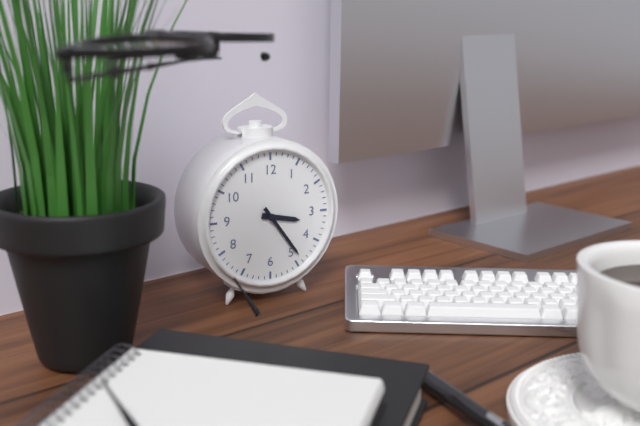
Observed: 3:24
